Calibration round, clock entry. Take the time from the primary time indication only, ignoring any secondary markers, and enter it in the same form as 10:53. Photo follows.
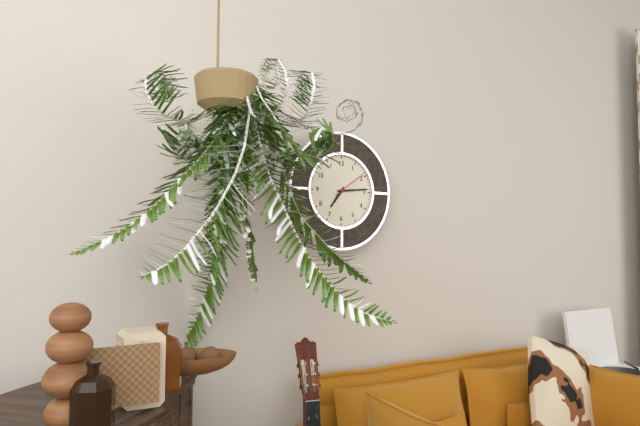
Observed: 7:14
